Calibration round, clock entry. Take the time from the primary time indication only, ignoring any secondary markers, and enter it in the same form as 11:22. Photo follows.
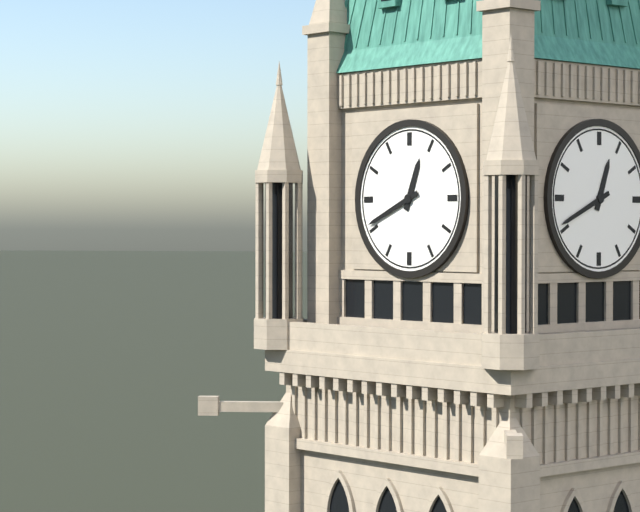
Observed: 12:41
